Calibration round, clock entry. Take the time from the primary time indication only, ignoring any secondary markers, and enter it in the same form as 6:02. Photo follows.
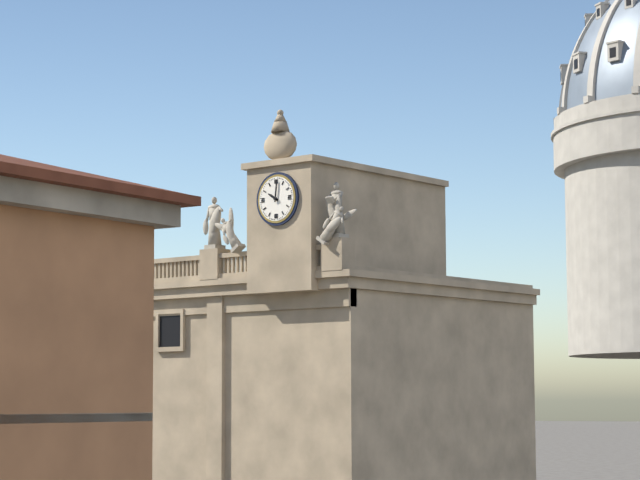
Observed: 10:01
